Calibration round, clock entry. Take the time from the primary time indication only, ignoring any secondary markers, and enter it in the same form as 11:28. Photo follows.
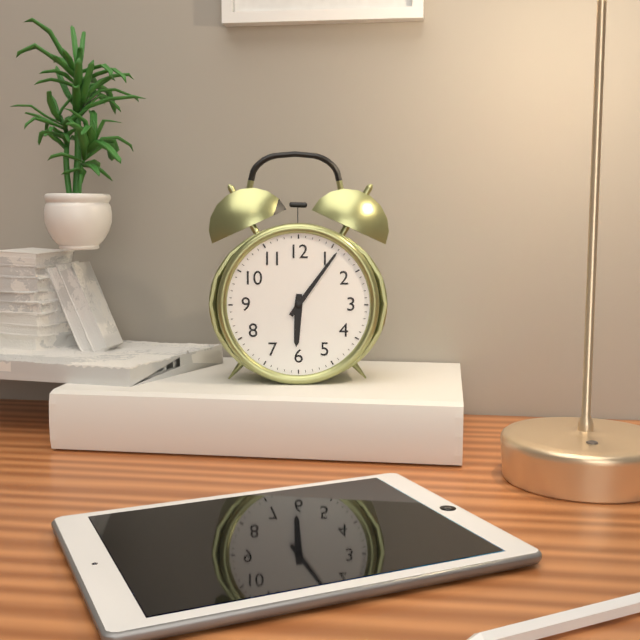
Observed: 6:06
